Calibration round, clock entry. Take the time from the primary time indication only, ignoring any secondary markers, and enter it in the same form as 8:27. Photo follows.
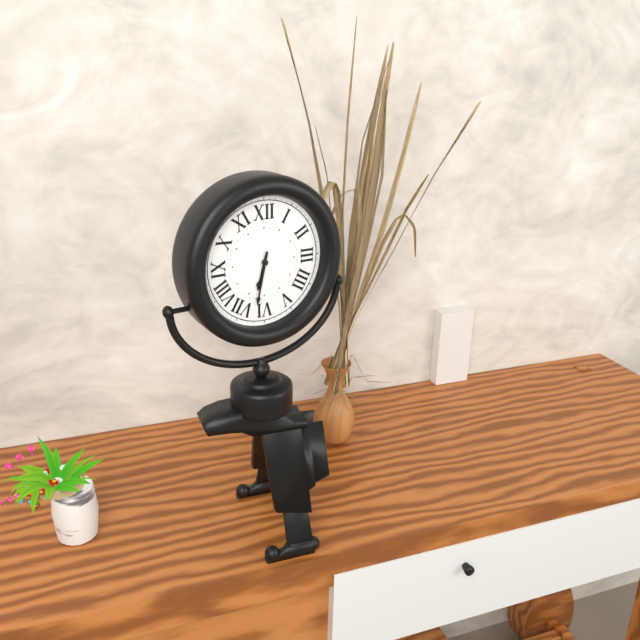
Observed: 6:32
